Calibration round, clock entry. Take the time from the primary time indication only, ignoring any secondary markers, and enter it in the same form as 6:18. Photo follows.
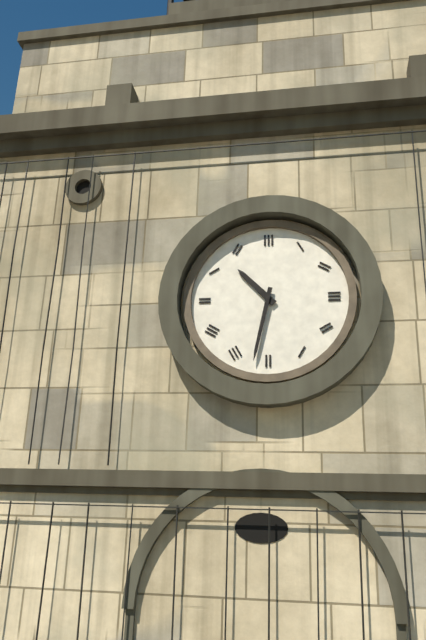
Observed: 10:32
